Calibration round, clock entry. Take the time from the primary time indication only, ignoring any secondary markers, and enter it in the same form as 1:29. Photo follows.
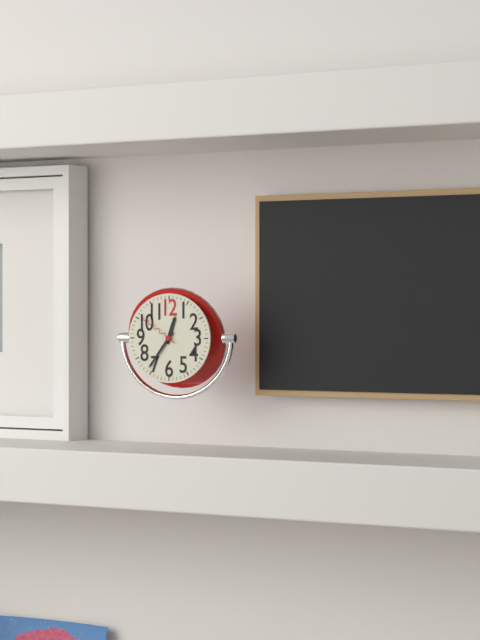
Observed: 12:36
